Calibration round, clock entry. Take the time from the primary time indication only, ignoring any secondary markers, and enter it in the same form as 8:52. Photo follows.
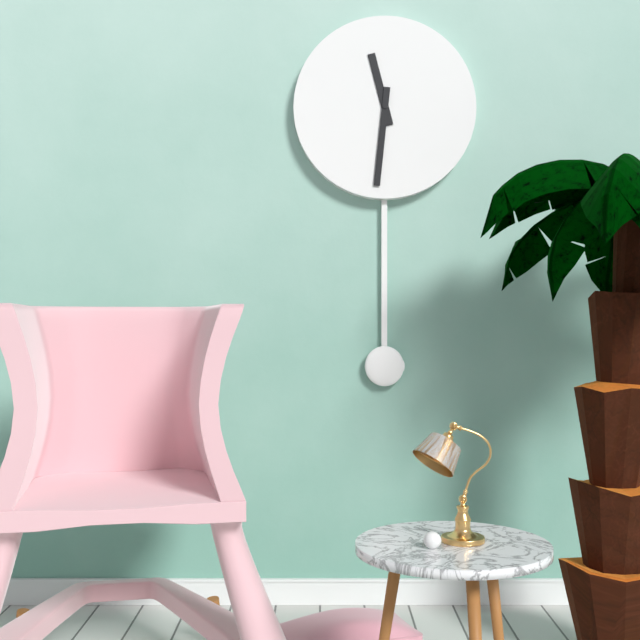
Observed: 11:31
